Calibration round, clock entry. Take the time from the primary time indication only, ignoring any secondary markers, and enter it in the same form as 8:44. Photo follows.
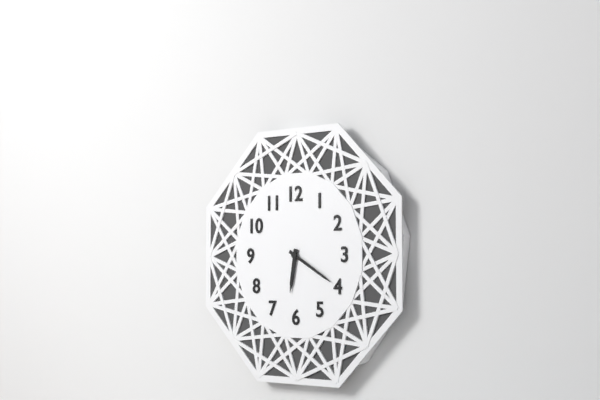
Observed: 6:20
